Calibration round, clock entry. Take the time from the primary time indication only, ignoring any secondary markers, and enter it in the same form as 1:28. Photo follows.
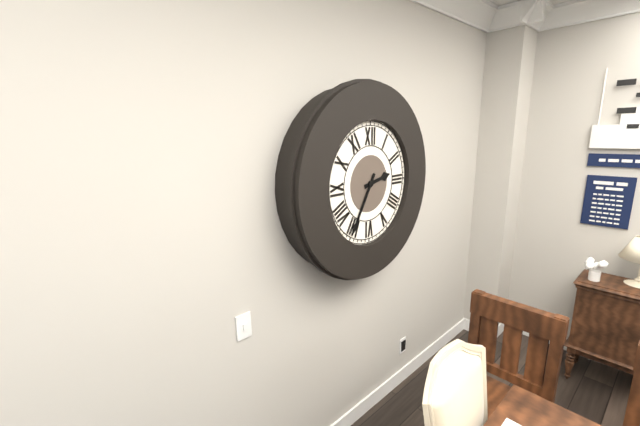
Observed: 2:35
